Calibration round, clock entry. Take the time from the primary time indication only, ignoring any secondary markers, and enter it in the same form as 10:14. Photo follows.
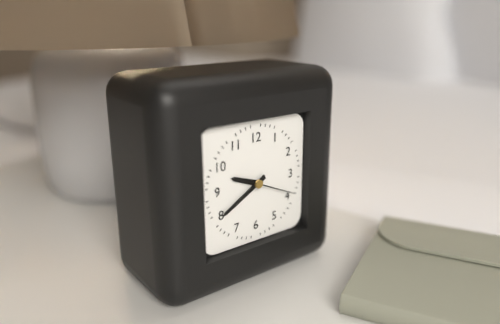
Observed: 9:40
